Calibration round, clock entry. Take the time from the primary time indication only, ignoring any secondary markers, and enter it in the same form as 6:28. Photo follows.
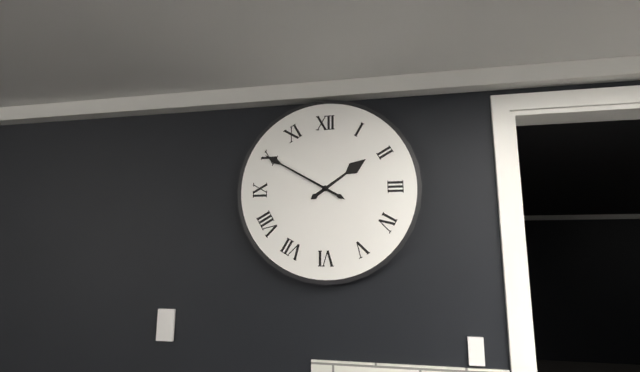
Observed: 1:50
